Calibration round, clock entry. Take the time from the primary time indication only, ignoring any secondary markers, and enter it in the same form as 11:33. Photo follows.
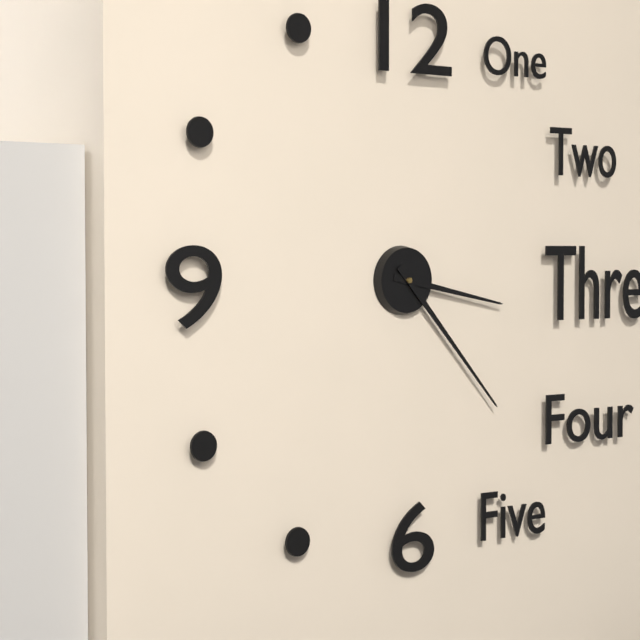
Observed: 3:23
